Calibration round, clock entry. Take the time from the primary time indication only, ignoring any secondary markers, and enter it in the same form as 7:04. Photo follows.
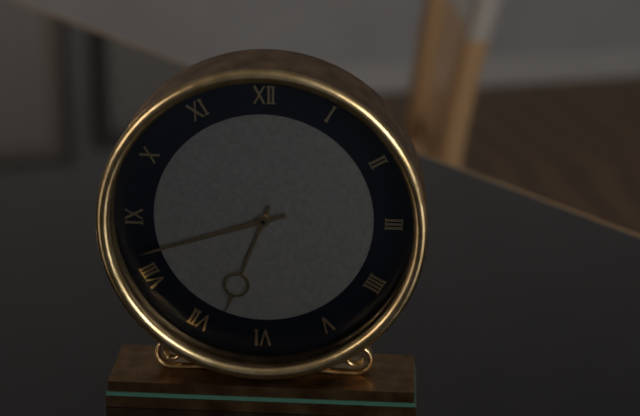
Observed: 6:42
